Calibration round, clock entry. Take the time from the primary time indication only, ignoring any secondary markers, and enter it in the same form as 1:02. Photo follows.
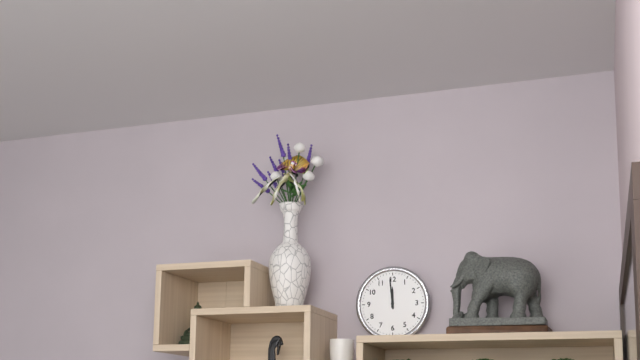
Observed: 11:59
